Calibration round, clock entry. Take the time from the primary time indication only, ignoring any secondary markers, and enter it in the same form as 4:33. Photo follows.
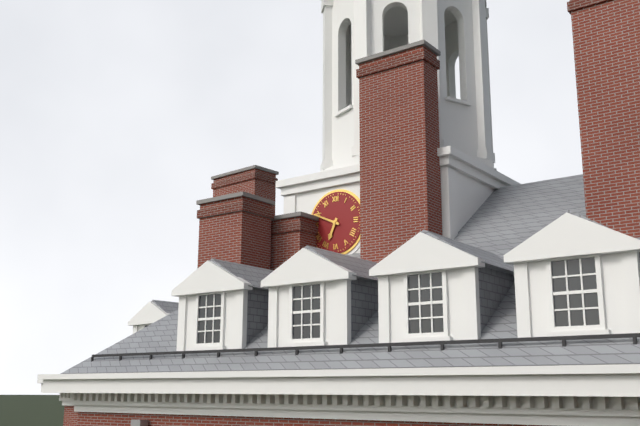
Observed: 6:49
